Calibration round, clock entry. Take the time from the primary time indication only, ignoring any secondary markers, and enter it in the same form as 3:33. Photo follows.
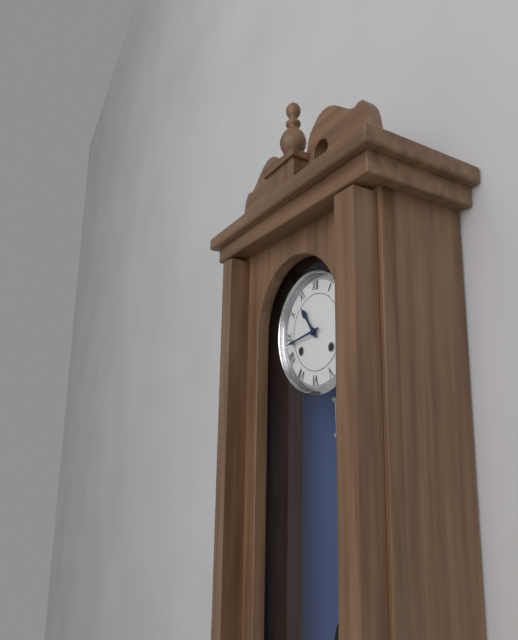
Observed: 10:43
